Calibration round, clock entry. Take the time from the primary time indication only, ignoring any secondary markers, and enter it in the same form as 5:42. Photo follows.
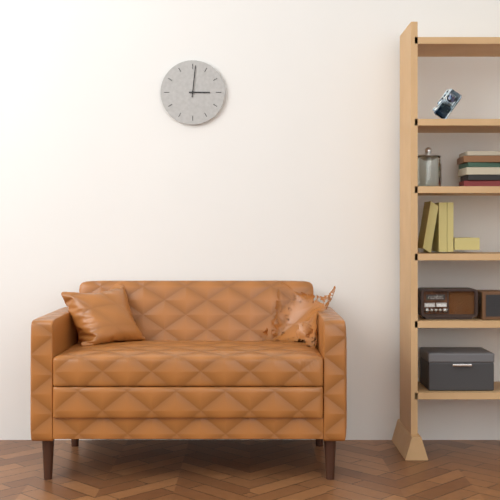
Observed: 3:01
